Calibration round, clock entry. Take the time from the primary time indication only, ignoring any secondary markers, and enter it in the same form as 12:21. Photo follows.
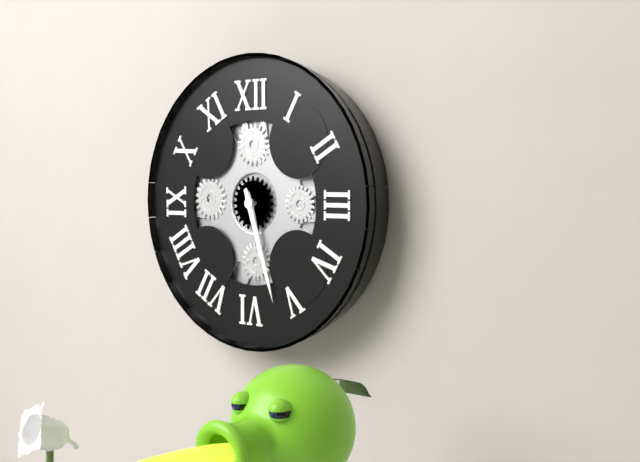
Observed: 5:27
